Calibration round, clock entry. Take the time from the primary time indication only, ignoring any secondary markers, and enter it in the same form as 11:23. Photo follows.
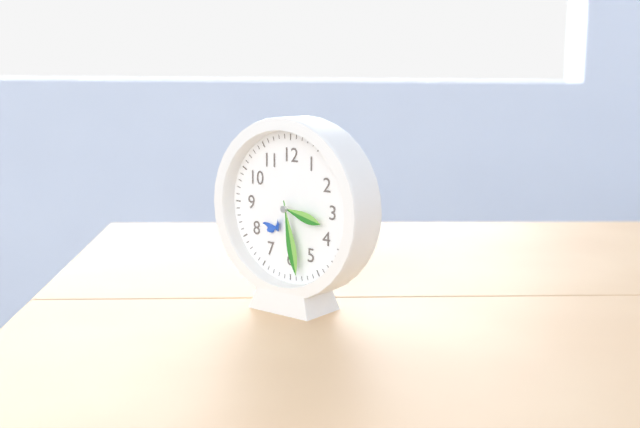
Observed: 3:28
